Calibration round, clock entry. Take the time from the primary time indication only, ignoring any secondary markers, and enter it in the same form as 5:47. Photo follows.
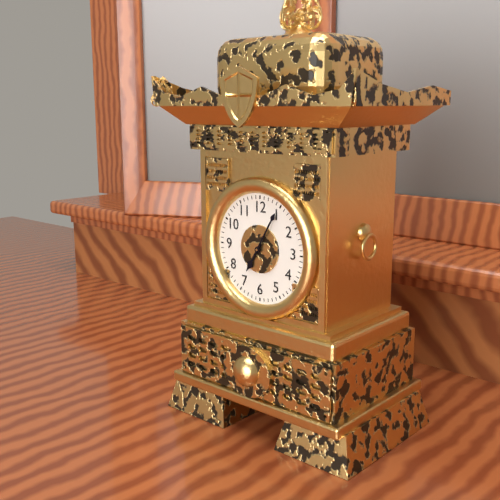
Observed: 7:05
